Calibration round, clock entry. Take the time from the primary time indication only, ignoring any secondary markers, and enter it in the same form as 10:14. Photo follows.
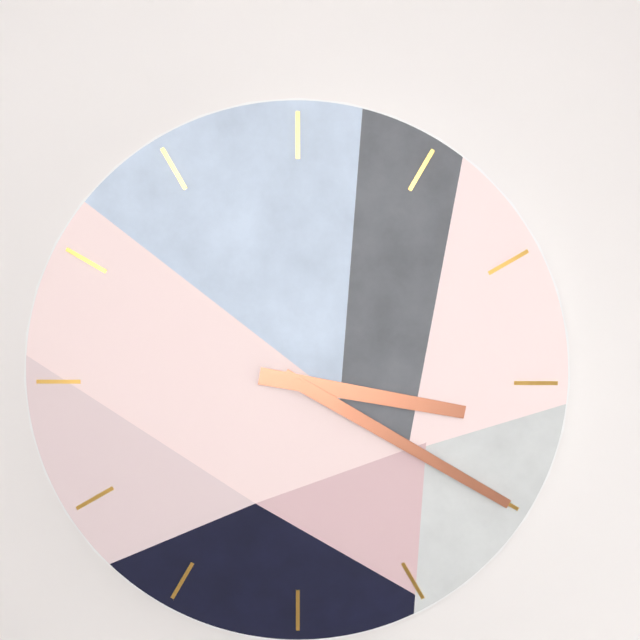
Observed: 3:20
